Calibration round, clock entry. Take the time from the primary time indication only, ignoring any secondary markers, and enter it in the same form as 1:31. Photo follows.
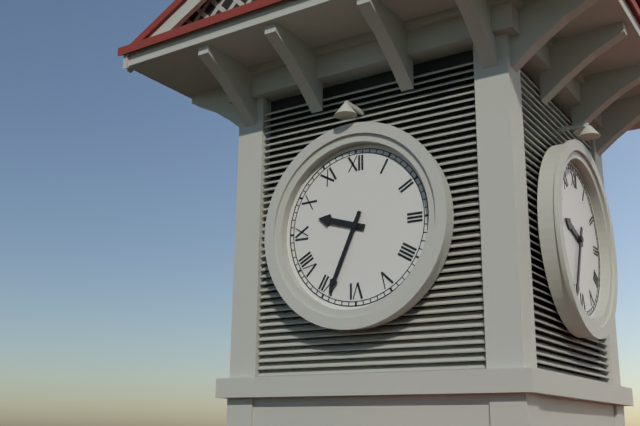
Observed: 9:34
